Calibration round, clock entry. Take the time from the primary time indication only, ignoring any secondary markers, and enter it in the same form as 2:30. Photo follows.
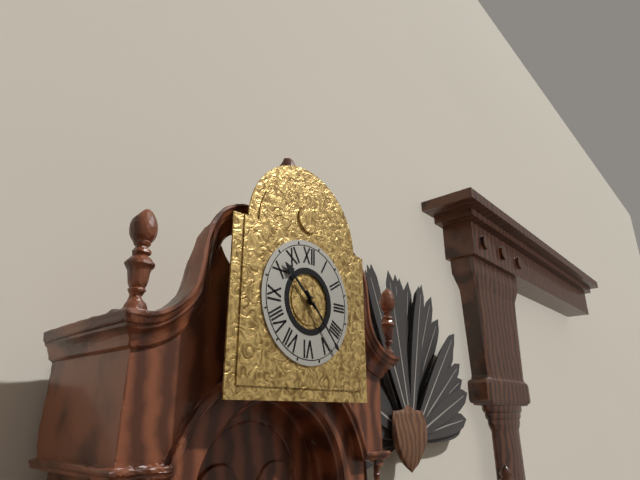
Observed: 10:23
